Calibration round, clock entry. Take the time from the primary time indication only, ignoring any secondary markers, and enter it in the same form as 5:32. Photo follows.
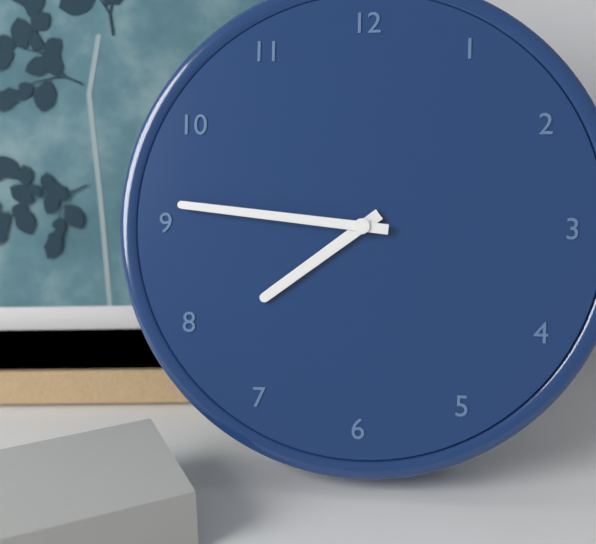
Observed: 7:46
